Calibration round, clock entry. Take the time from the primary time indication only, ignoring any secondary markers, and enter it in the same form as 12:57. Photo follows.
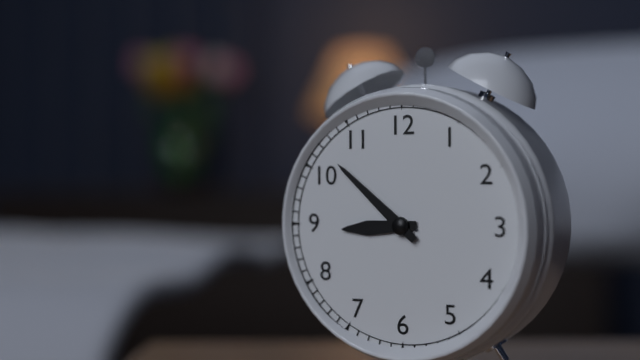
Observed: 8:52
